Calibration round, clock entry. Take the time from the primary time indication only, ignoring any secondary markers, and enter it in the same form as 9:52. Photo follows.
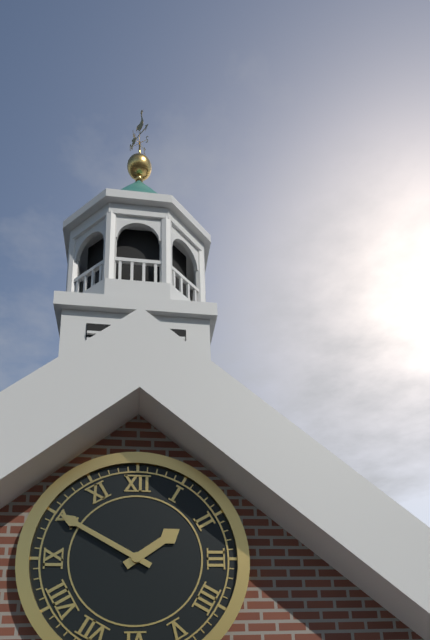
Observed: 1:50
